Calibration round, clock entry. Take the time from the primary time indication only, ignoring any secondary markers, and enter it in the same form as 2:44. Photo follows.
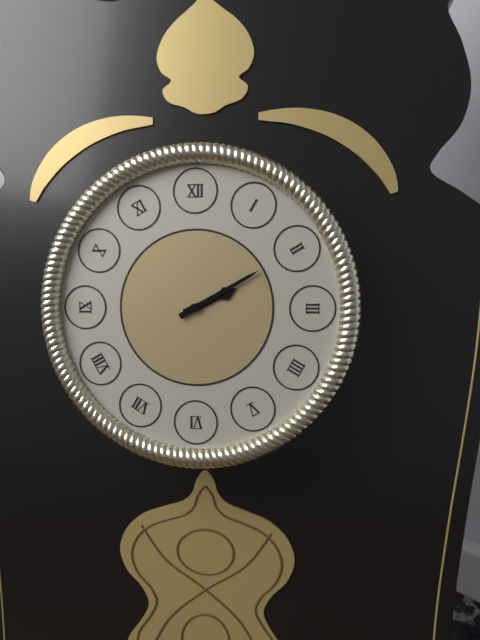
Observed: 2:10
